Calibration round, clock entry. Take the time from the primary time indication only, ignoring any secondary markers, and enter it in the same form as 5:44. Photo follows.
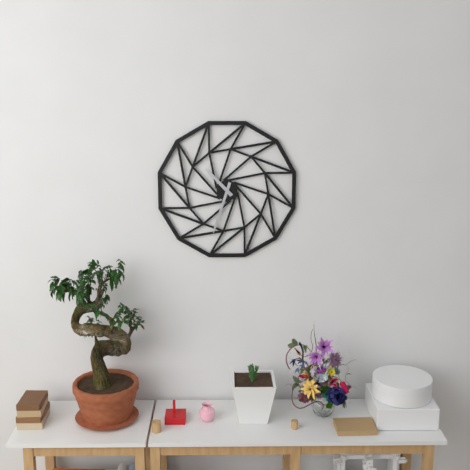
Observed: 10:33
